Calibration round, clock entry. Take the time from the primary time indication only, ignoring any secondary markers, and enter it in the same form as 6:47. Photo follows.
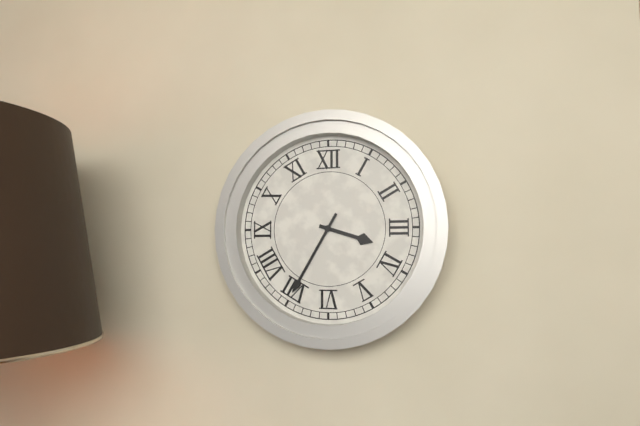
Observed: 3:35
